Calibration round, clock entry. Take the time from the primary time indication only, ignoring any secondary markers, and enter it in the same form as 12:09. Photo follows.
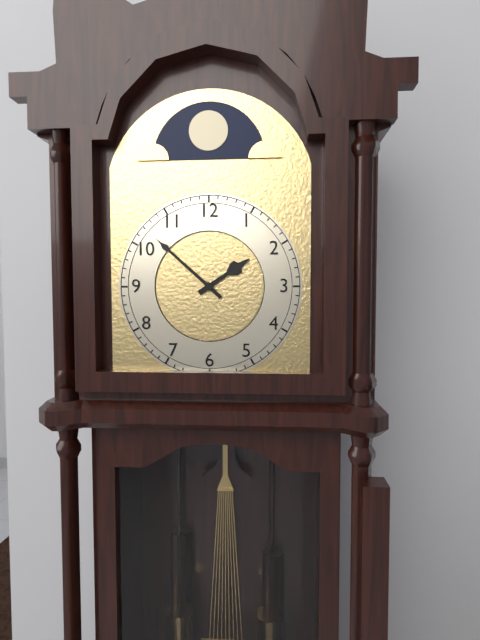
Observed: 1:52
